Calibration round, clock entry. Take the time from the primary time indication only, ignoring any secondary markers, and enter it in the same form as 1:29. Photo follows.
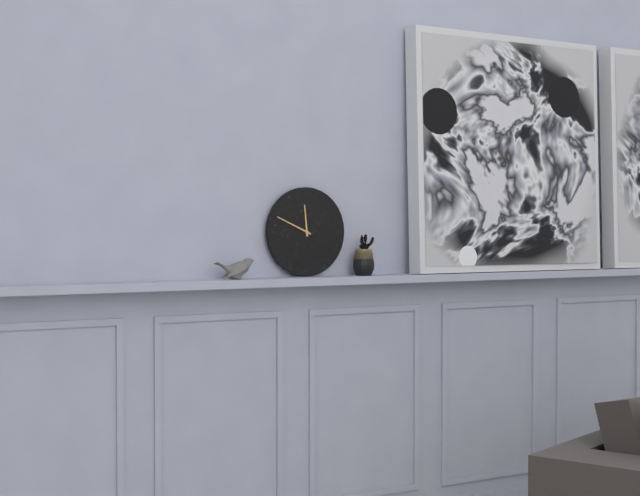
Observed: 11:49
